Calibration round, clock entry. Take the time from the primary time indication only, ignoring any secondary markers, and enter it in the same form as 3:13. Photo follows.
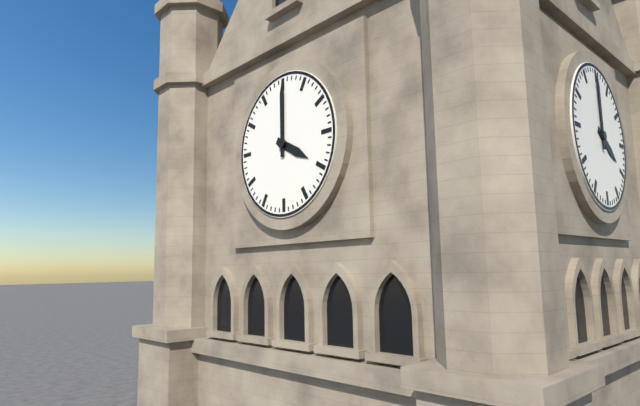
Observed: 4:00
